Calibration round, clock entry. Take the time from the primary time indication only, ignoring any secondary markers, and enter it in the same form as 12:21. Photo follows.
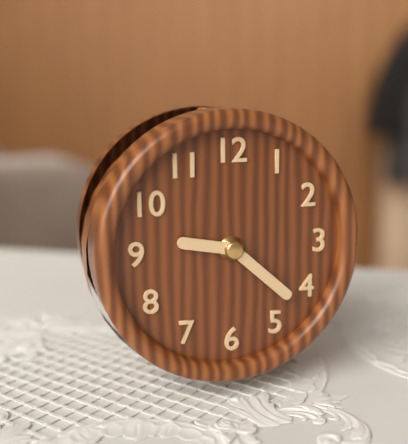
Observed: 9:22
